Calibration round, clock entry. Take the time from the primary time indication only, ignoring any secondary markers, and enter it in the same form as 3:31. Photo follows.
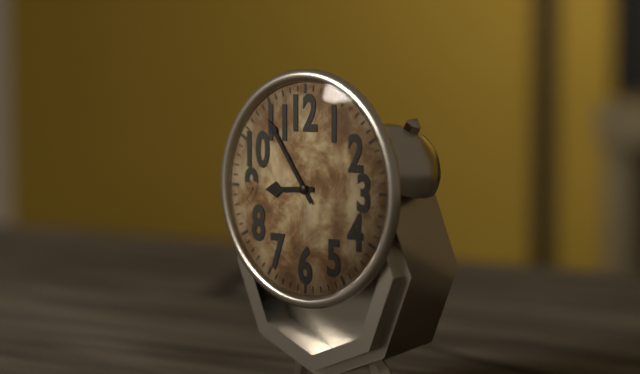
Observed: 8:54
